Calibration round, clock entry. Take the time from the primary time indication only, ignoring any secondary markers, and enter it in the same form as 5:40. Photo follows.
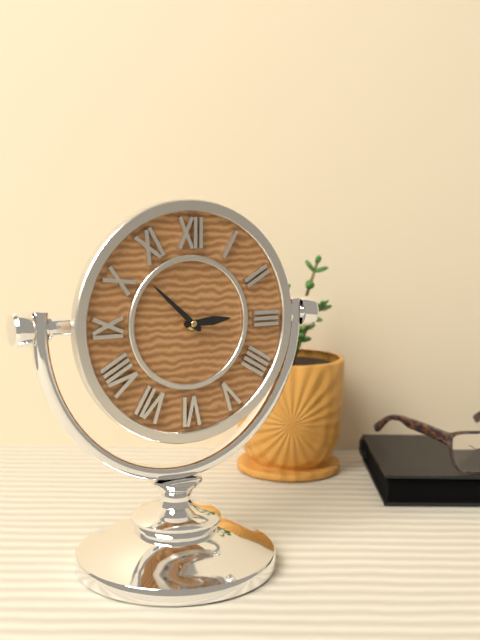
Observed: 2:52
